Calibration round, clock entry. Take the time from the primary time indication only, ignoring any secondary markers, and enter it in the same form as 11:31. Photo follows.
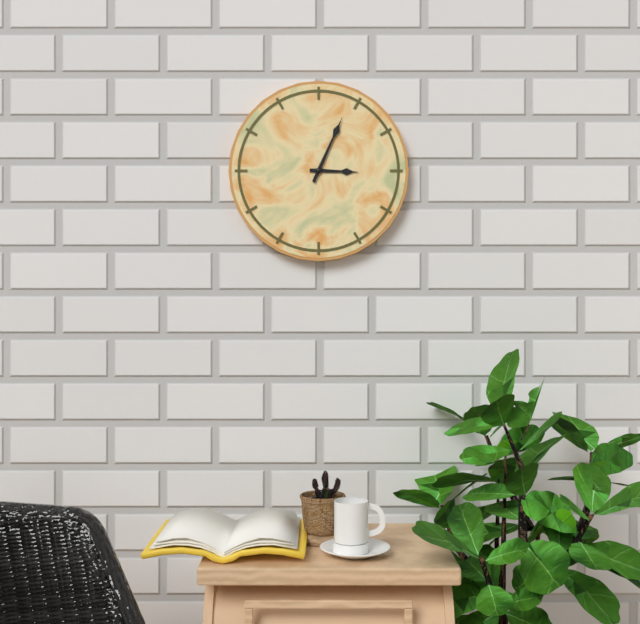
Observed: 3:04
